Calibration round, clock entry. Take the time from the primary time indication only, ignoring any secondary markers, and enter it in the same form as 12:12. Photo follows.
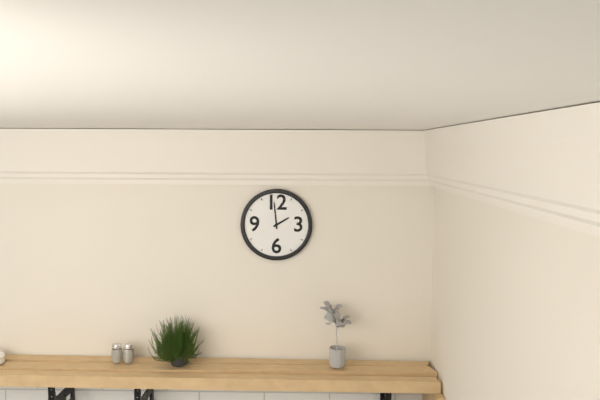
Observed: 1:59
